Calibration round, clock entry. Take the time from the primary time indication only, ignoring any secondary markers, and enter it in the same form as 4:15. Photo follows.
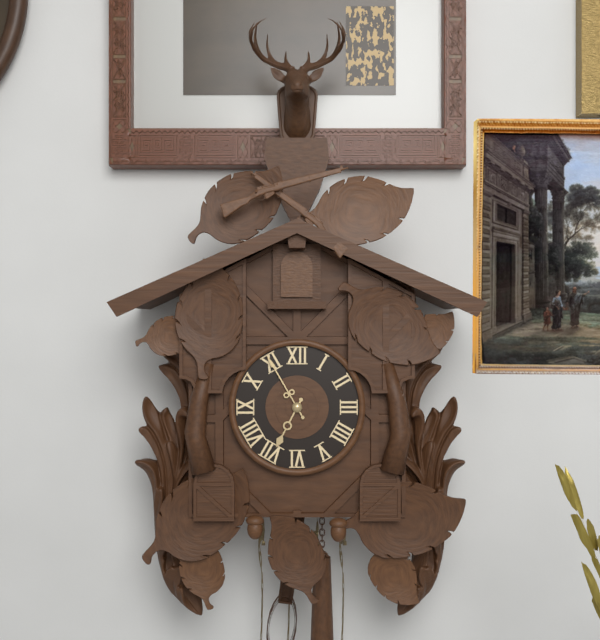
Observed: 6:55
